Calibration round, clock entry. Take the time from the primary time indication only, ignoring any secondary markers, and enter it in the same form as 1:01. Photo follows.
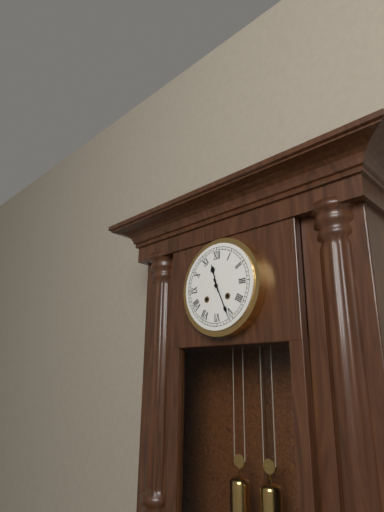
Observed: 11:26
